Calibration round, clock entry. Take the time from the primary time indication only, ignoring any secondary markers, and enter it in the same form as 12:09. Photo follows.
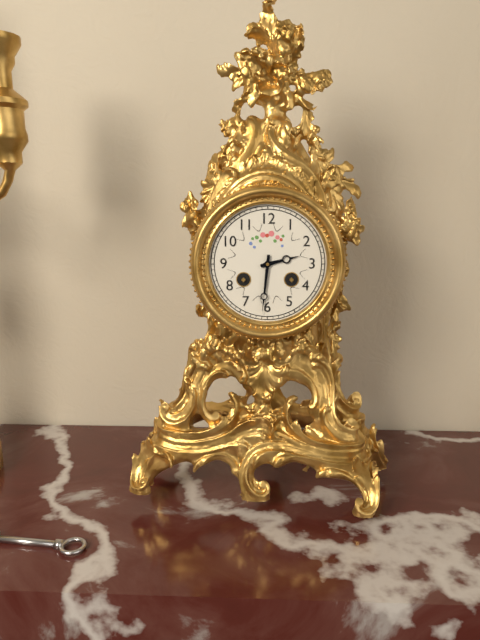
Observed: 2:31
